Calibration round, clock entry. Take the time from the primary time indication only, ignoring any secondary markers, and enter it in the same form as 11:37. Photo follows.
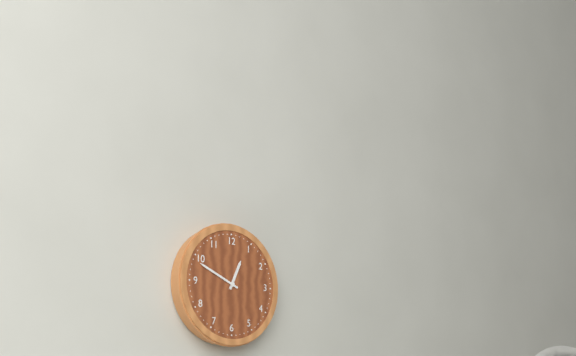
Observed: 12:49
